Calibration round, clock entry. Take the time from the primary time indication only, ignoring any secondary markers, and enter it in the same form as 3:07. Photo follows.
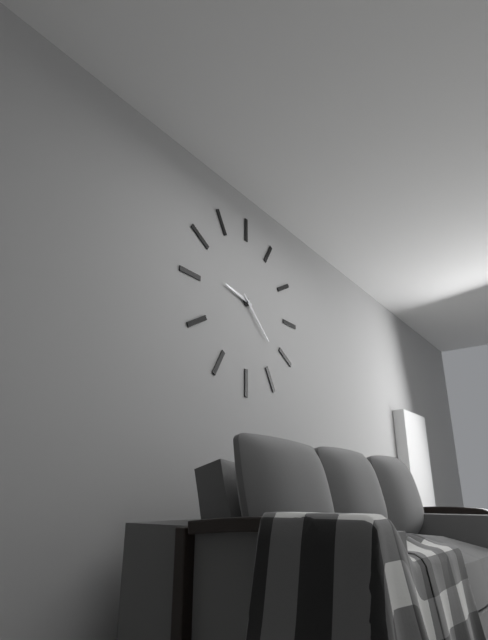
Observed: 9:22
